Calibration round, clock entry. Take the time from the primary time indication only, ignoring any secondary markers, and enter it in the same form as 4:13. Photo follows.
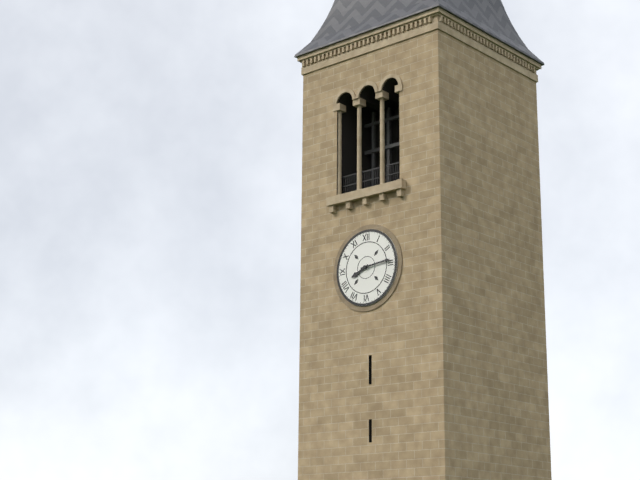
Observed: 8:14
